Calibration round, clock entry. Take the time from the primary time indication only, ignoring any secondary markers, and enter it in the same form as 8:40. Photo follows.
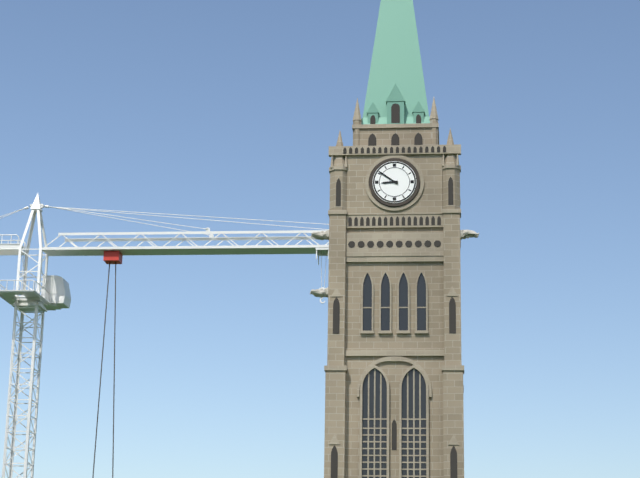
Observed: 8:51
